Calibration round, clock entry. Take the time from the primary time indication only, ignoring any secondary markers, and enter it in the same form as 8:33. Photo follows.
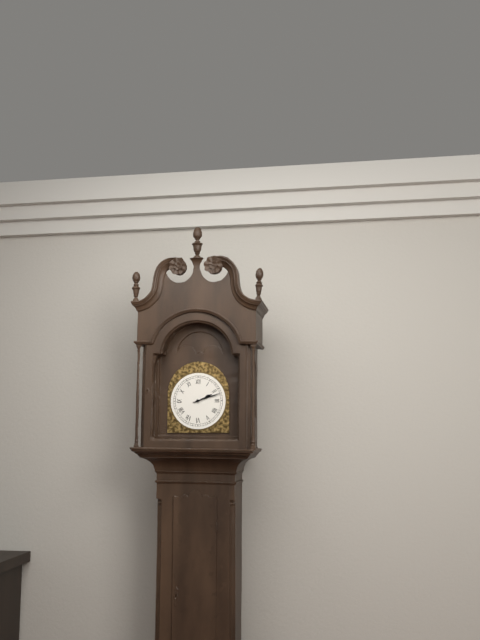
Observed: 2:12
